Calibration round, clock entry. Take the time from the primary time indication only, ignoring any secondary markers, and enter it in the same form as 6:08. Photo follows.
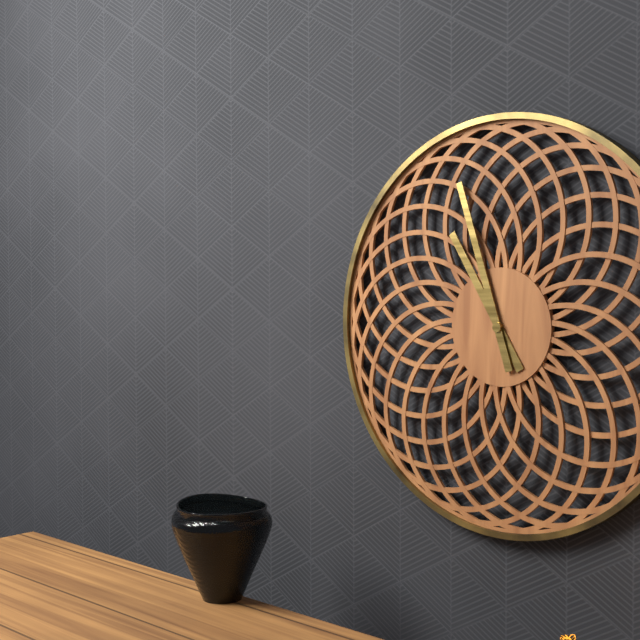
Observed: 10:57
